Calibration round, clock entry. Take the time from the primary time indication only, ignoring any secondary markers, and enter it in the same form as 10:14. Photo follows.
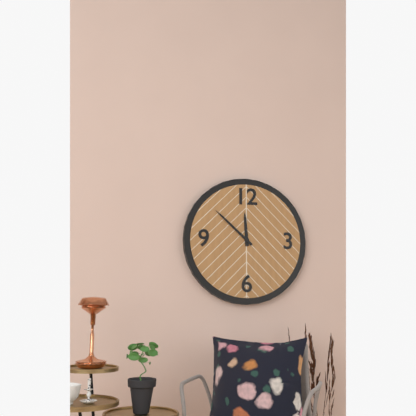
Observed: 11:52
